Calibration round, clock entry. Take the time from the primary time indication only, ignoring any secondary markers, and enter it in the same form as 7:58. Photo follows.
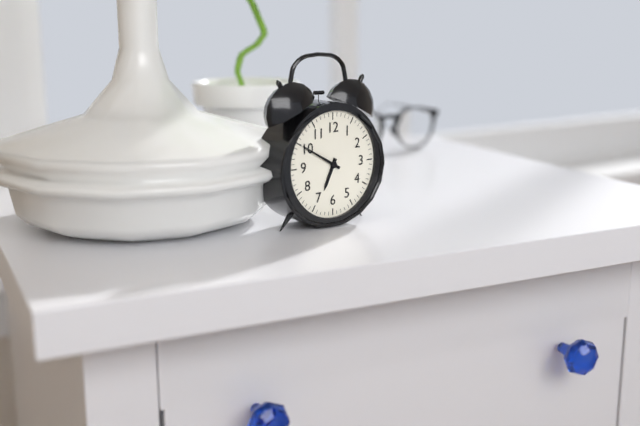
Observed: 6:50
